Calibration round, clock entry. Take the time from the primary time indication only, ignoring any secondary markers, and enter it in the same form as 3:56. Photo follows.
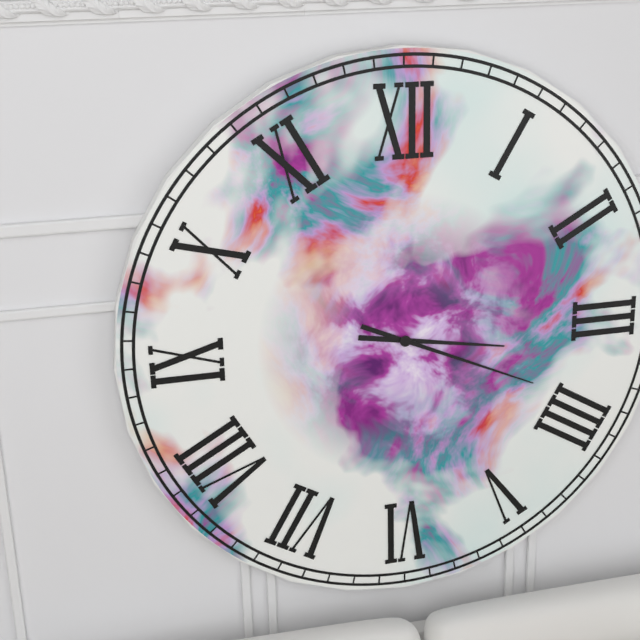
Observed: 3:19
